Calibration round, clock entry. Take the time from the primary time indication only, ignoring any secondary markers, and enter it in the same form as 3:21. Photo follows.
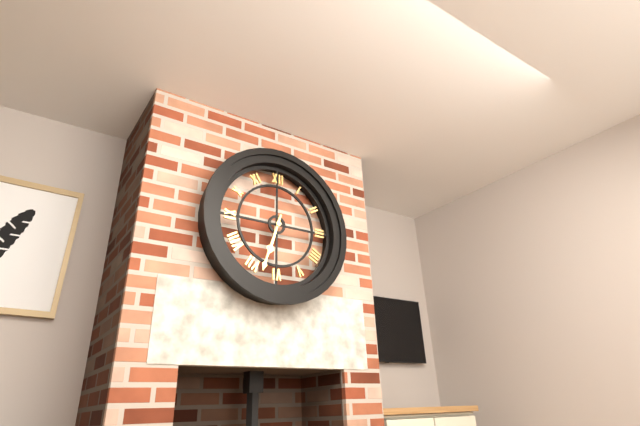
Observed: 6:33
